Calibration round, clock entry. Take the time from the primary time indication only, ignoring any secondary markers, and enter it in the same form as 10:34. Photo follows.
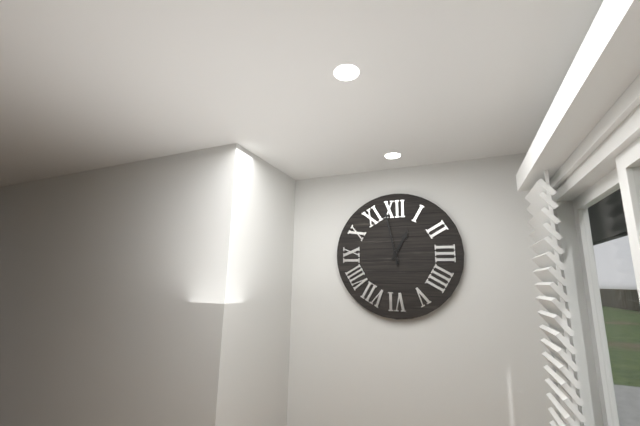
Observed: 12:58
